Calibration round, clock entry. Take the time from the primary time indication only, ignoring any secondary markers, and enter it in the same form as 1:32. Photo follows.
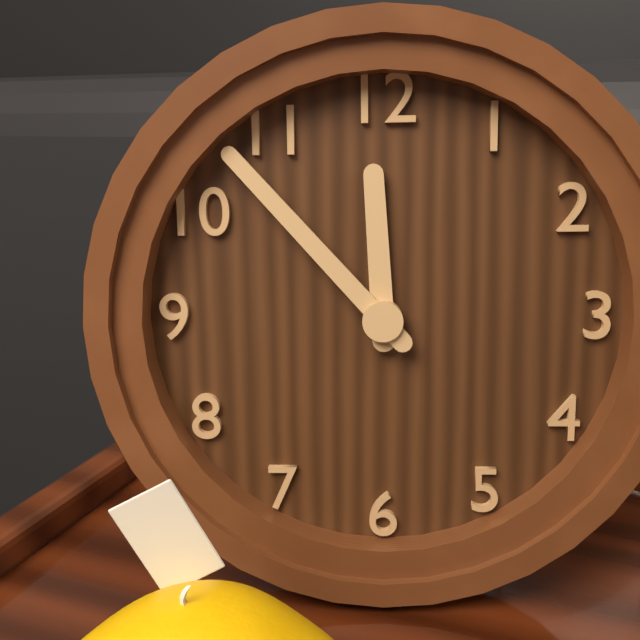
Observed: 11:53
